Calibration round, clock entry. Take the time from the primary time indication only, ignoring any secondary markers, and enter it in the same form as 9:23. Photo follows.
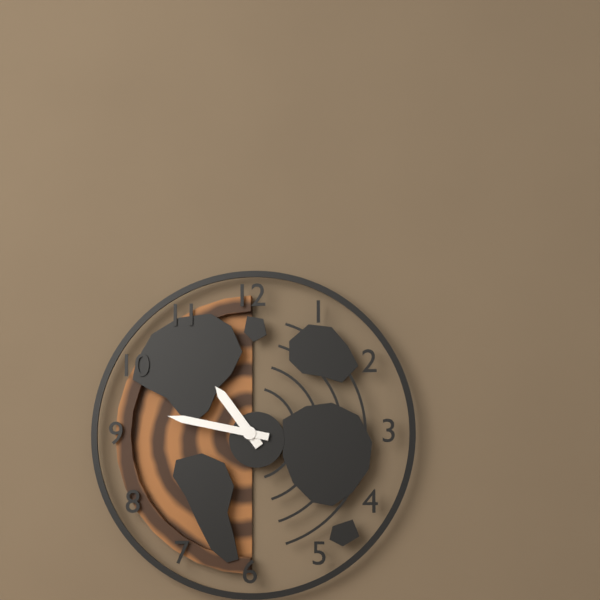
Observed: 10:47
